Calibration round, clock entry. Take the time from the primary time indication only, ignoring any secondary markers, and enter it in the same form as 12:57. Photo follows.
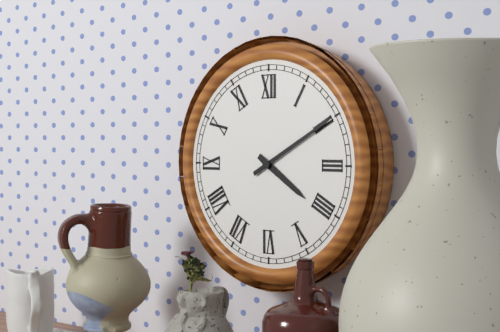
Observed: 4:10
